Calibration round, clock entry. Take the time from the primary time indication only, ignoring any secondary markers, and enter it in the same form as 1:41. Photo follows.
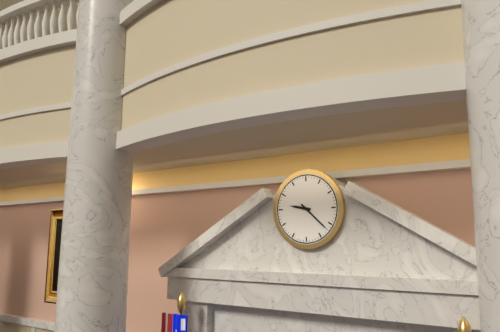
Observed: 9:22
